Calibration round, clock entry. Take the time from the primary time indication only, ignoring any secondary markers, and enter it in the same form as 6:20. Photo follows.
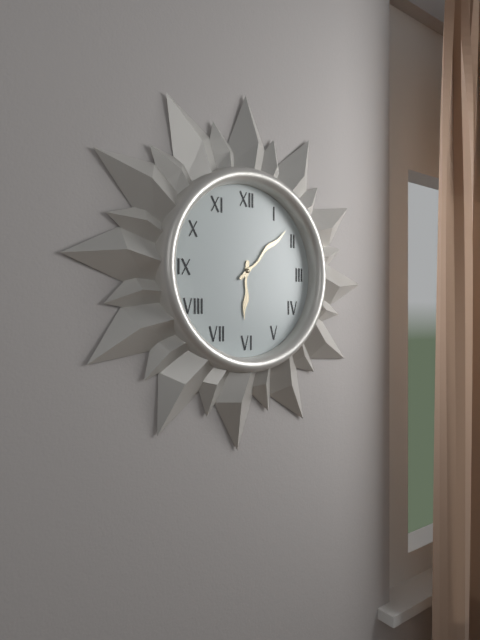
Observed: 6:08
